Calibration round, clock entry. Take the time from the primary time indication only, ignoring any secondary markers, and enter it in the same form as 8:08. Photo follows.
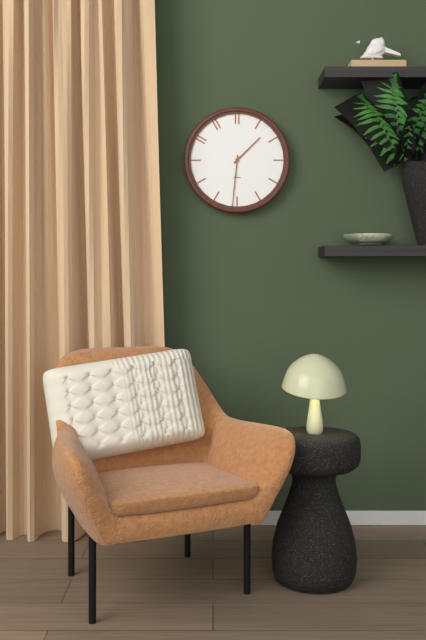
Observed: 1:31
